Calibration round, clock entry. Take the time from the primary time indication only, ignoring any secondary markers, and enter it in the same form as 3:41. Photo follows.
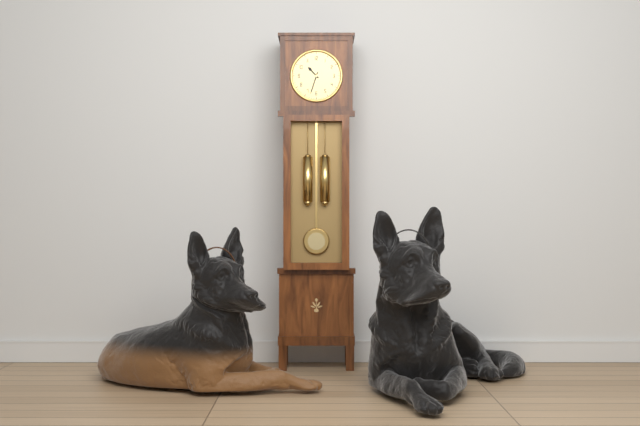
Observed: 10:33
